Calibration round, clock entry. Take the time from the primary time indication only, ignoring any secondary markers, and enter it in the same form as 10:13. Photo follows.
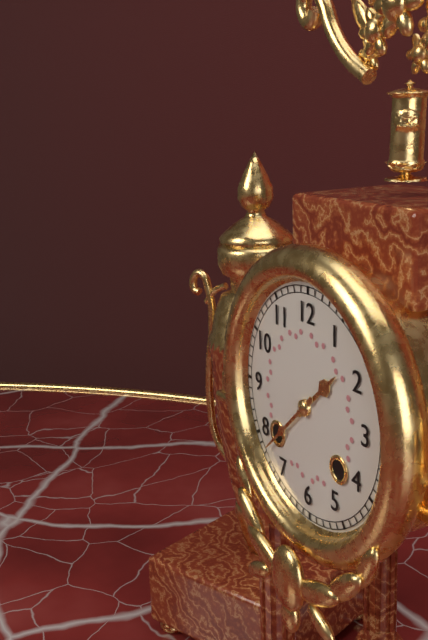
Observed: 1:38
